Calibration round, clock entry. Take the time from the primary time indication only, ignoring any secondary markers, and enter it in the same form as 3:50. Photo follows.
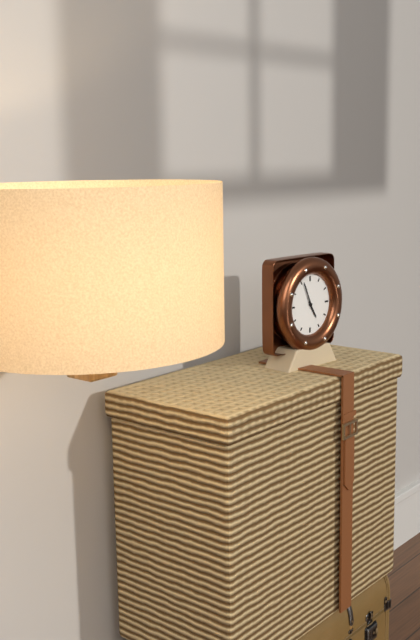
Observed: 4:56
